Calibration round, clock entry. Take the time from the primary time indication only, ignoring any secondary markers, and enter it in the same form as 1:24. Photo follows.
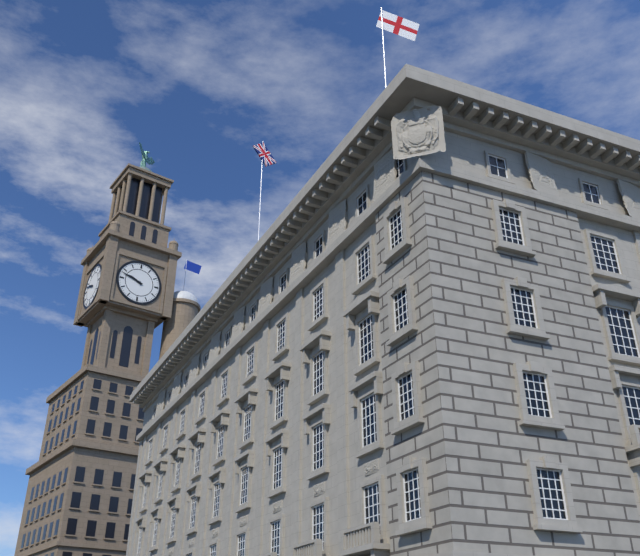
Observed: 9:48
